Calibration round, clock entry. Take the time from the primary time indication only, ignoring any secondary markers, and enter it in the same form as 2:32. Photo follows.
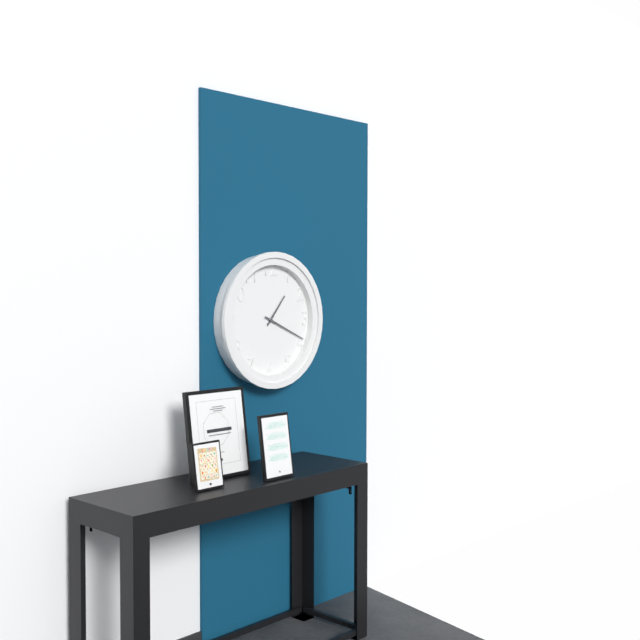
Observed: 1:19
